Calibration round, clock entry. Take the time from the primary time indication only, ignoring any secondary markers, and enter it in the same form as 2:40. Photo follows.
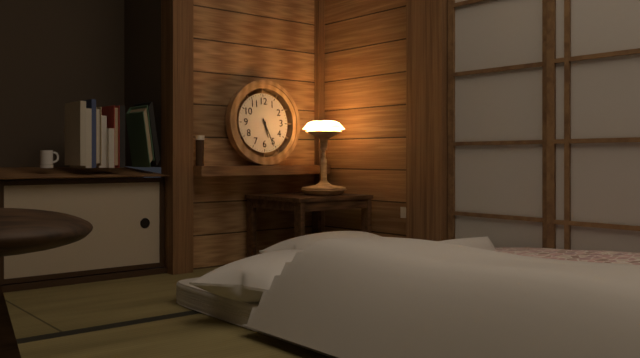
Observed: 5:26
